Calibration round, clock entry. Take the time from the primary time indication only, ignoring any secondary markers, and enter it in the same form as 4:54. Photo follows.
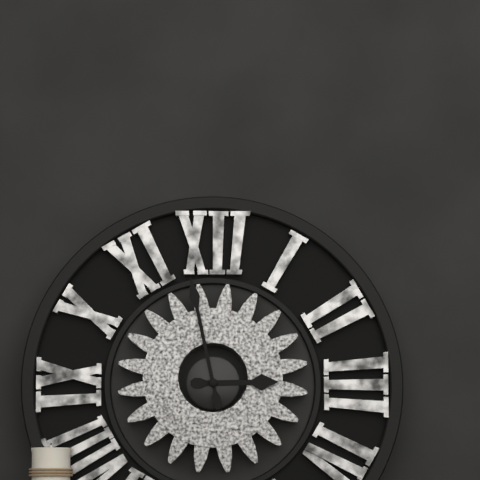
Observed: 2:58
